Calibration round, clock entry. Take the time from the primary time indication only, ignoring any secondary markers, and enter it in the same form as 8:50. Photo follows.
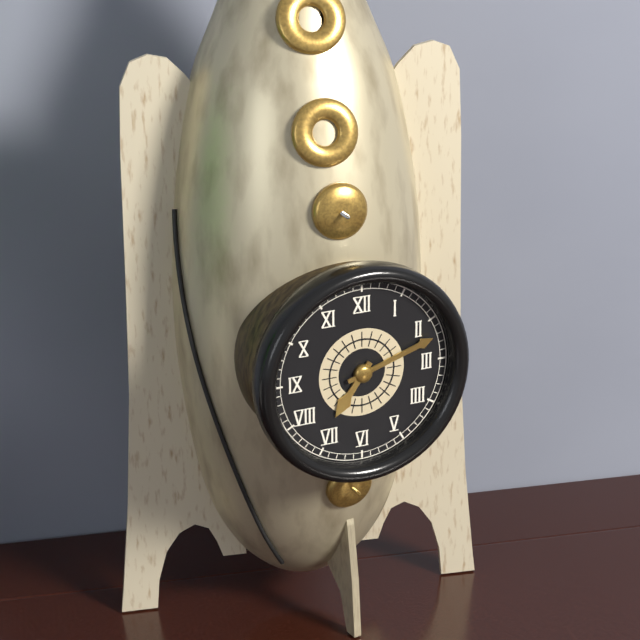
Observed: 7:12
